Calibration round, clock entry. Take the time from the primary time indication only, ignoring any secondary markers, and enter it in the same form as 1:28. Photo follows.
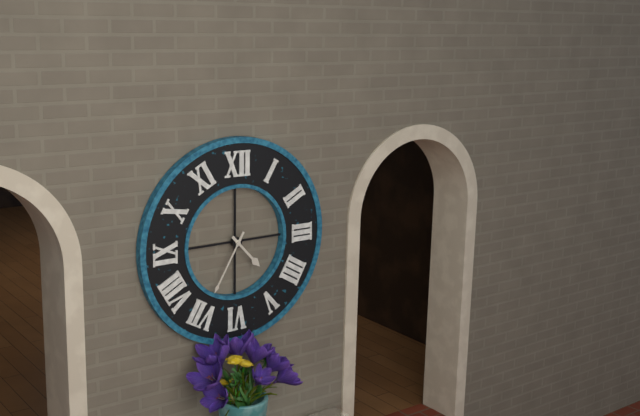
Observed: 4:35
